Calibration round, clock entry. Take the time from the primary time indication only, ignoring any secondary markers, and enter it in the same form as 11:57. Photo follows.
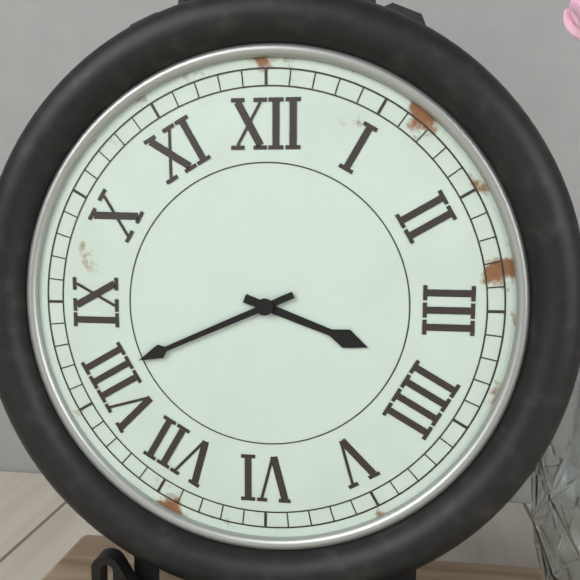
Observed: 3:41
